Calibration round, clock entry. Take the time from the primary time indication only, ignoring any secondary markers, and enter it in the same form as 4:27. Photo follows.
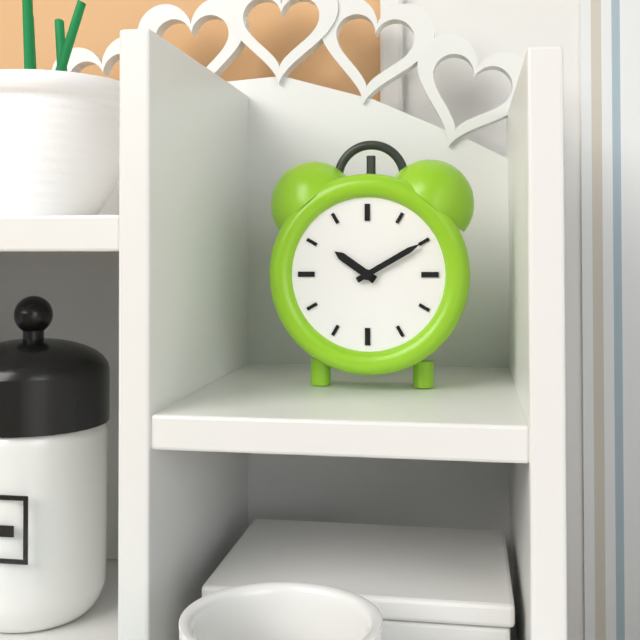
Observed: 10:10
